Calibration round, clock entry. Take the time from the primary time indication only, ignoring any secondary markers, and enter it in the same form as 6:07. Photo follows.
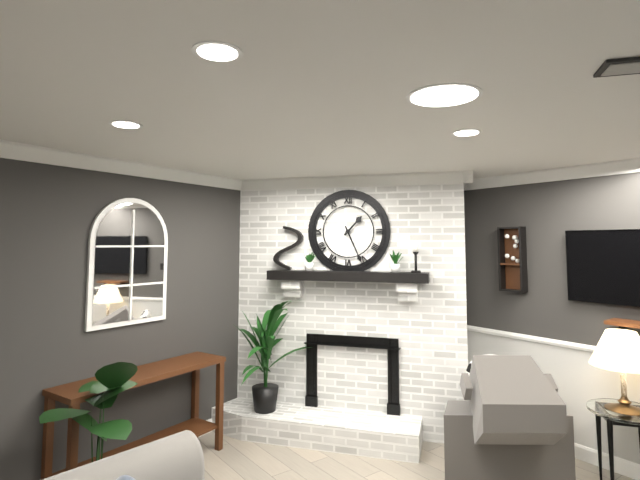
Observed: 1:26
